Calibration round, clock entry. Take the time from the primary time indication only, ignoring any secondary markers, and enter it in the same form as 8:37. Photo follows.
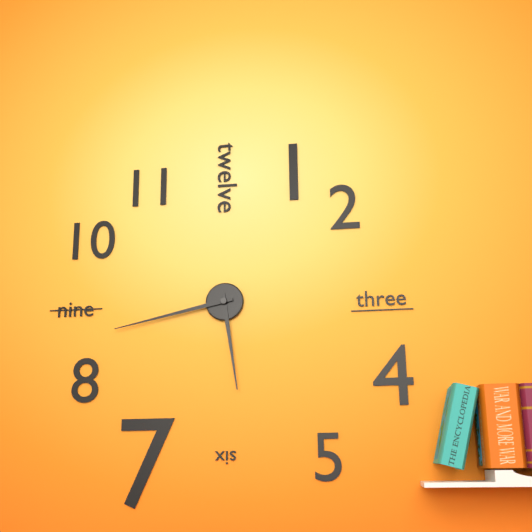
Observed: 5:43
